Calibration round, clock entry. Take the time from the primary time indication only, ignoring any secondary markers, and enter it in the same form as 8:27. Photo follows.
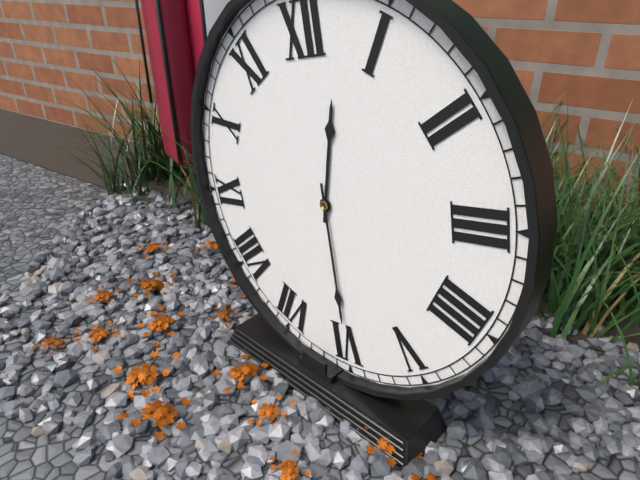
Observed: 12:30
